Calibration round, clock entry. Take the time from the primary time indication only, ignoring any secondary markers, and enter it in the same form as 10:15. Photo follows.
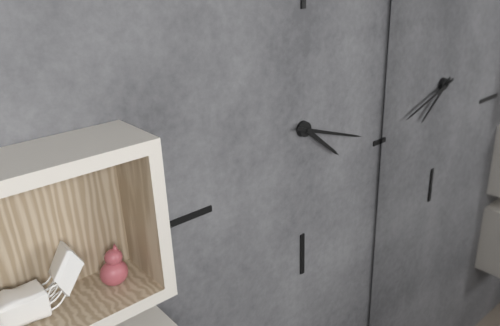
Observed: 4:18
